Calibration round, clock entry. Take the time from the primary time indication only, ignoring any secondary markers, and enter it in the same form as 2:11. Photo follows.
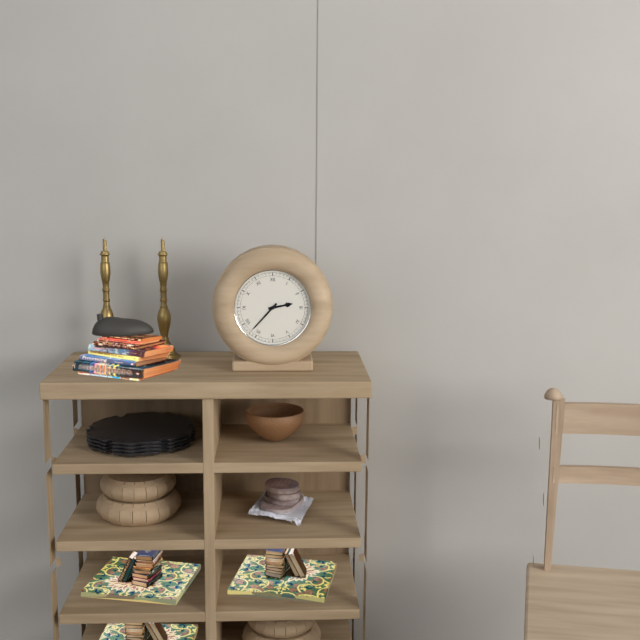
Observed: 2:37
